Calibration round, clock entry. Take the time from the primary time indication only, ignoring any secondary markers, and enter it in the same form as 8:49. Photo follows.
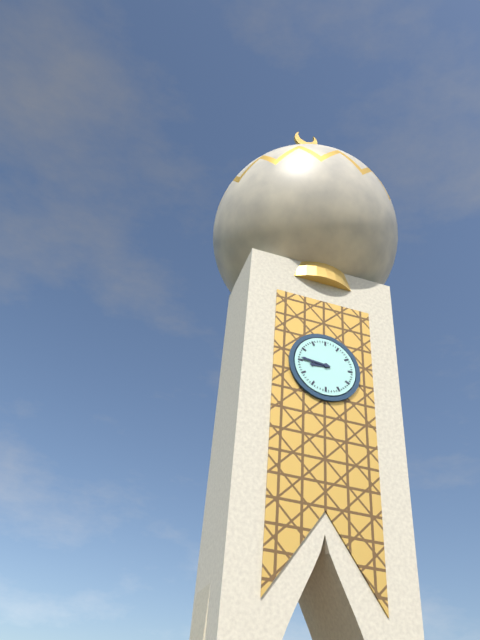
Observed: 8:46
